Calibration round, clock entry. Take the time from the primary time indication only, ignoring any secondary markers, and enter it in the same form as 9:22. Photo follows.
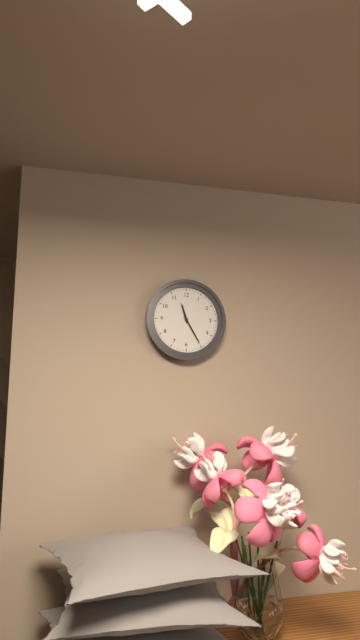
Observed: 11:25
